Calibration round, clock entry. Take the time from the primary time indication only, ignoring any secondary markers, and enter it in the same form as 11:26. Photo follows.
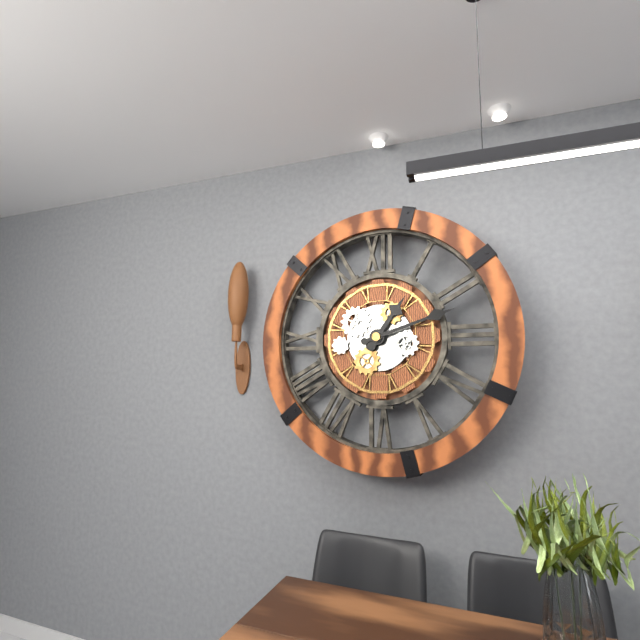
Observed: 1:12
